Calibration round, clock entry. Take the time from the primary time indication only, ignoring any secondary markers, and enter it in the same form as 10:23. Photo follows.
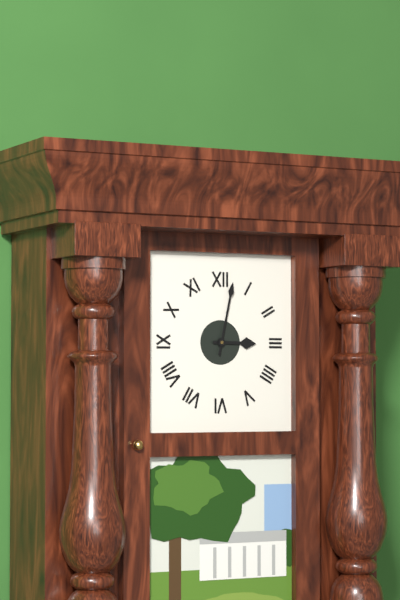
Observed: 3:02
